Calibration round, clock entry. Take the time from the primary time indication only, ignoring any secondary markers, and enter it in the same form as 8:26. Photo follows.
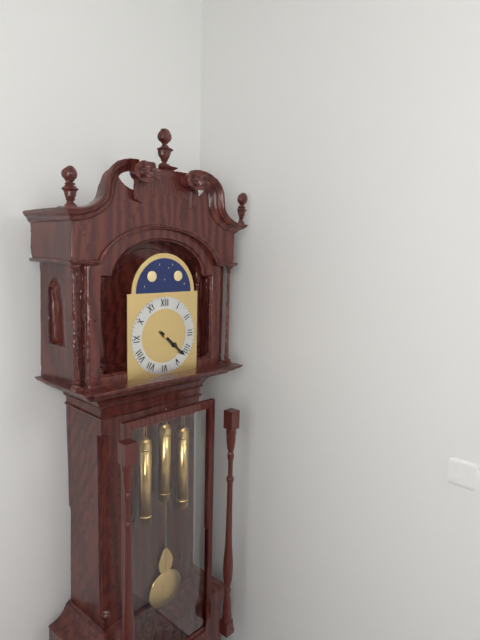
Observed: 4:22
